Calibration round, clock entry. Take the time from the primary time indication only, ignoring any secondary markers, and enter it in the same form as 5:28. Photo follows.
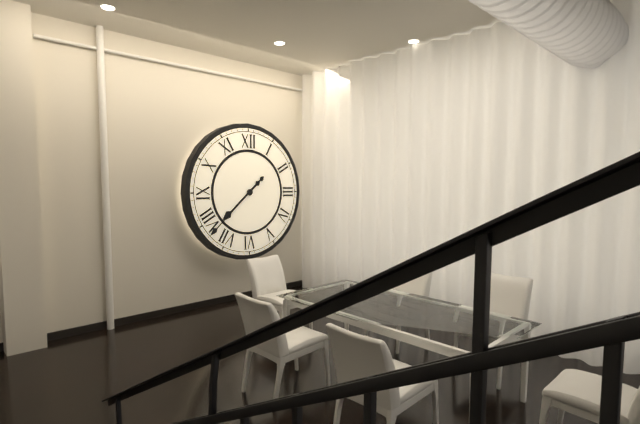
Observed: 7:38
